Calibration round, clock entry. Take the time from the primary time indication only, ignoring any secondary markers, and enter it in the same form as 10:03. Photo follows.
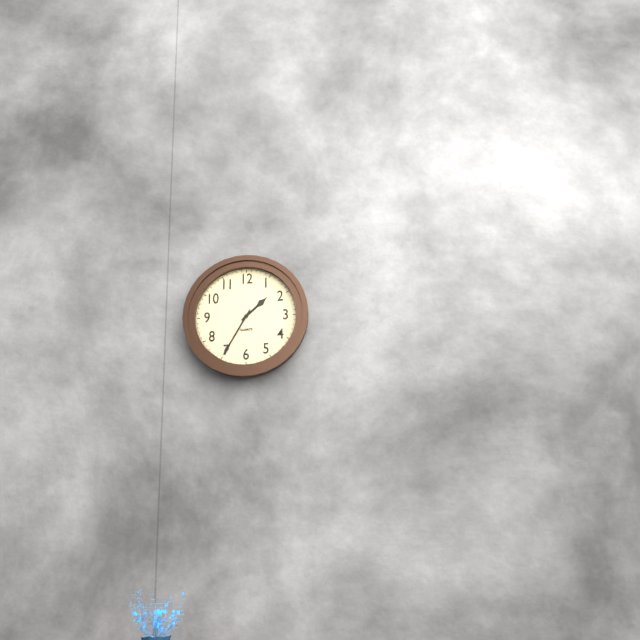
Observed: 1:35
